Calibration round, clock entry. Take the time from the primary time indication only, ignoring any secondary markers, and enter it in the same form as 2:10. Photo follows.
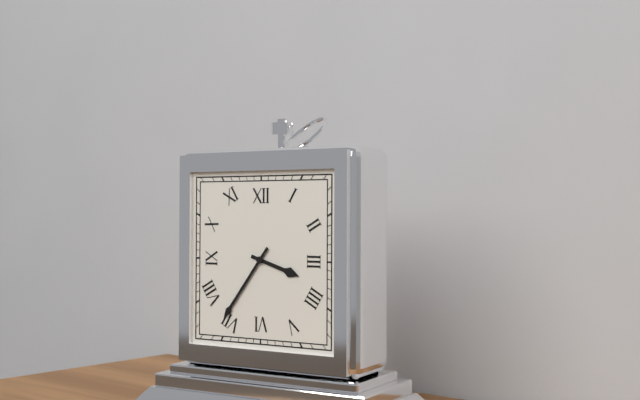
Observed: 3:36
